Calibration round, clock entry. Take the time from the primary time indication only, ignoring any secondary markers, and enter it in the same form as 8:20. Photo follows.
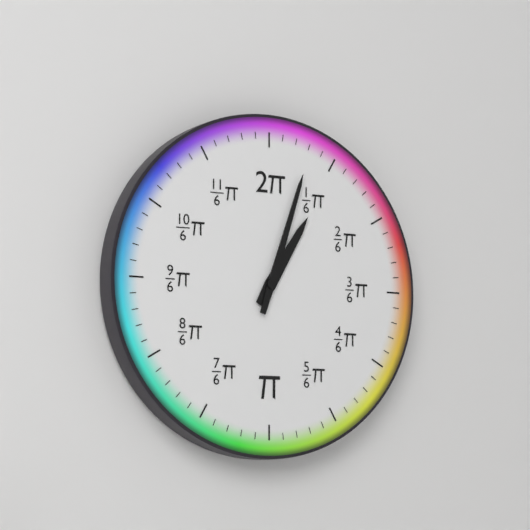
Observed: 1:03
